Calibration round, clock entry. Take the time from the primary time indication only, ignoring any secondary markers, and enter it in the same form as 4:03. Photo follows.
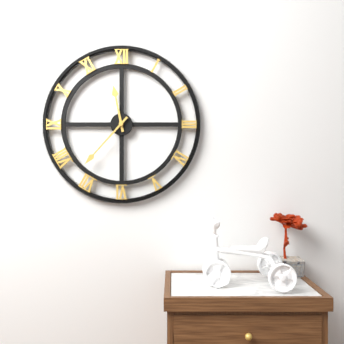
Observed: 11:37
